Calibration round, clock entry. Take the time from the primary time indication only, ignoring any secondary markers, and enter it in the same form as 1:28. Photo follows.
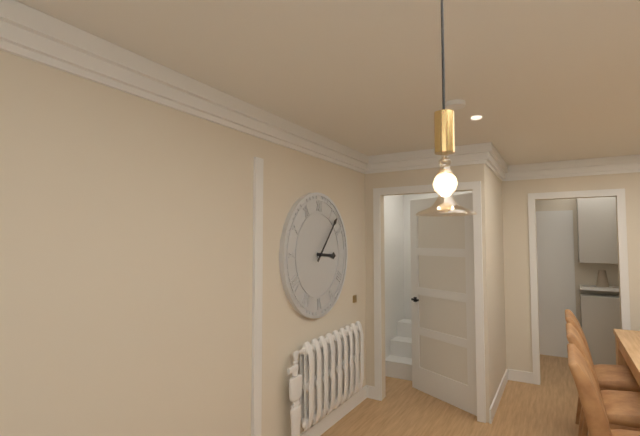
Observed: 3:07
